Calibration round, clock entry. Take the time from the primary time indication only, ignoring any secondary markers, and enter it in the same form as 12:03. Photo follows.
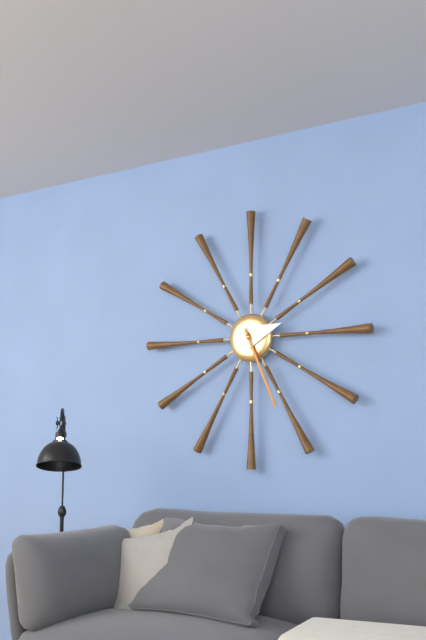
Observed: 2:26
